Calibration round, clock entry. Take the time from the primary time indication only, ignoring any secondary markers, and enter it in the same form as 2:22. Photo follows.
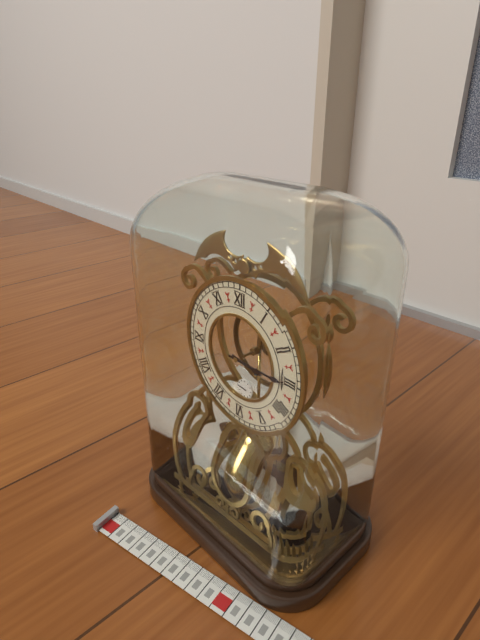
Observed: 3:15
